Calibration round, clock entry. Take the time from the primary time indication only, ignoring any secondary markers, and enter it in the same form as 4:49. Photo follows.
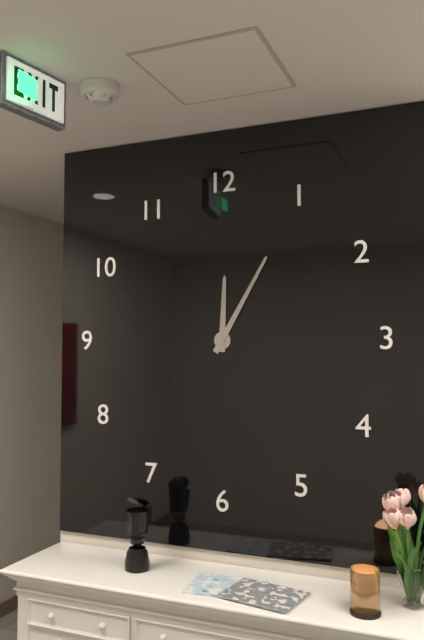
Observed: 12:05
